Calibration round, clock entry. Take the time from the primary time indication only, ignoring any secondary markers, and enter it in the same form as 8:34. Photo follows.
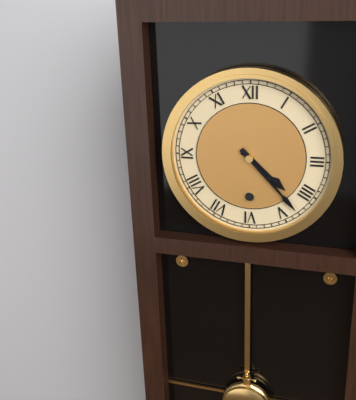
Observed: 4:23
